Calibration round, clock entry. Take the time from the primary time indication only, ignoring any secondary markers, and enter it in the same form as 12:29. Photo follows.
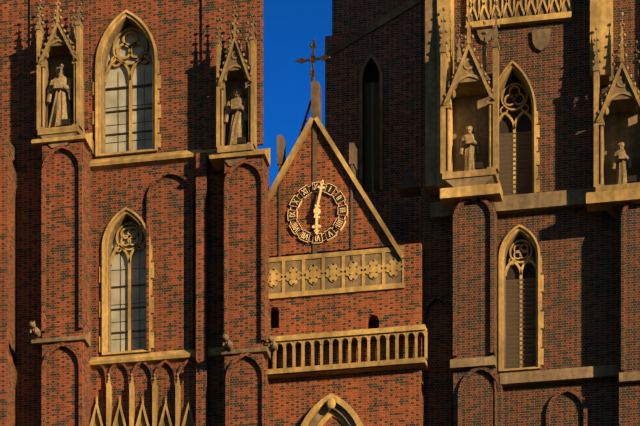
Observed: 6:02
